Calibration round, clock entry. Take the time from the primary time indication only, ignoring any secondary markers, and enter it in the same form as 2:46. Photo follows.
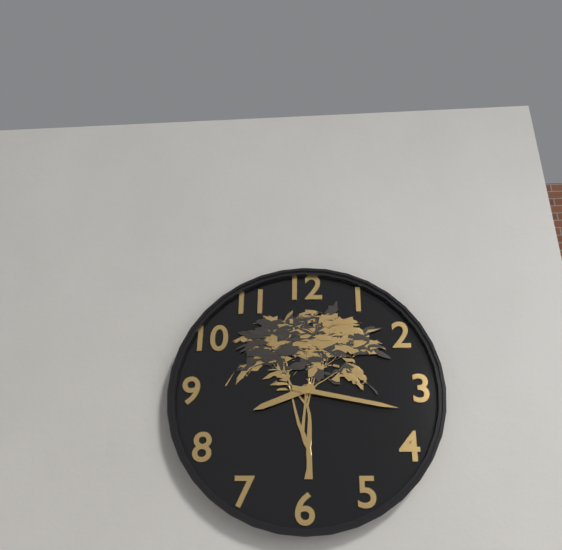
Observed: 8:17
